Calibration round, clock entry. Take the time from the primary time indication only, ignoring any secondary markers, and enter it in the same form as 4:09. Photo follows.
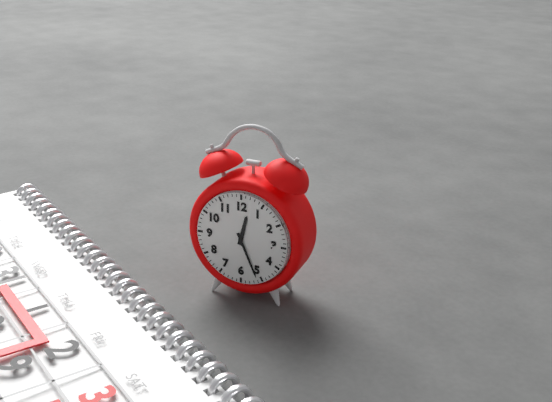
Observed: 12:26
